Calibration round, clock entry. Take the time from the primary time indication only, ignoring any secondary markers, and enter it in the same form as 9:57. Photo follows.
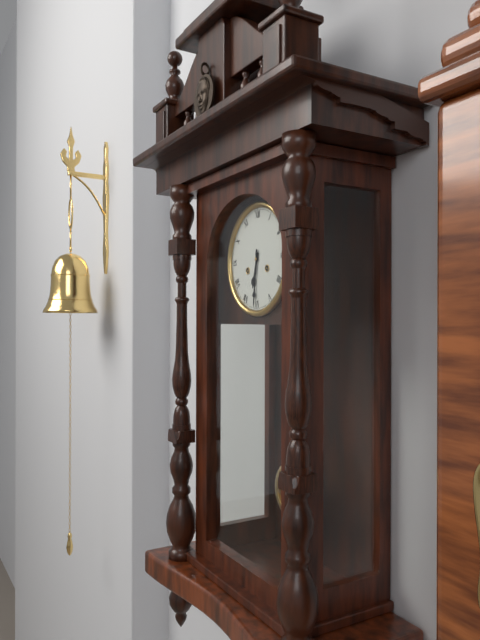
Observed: 6:31
